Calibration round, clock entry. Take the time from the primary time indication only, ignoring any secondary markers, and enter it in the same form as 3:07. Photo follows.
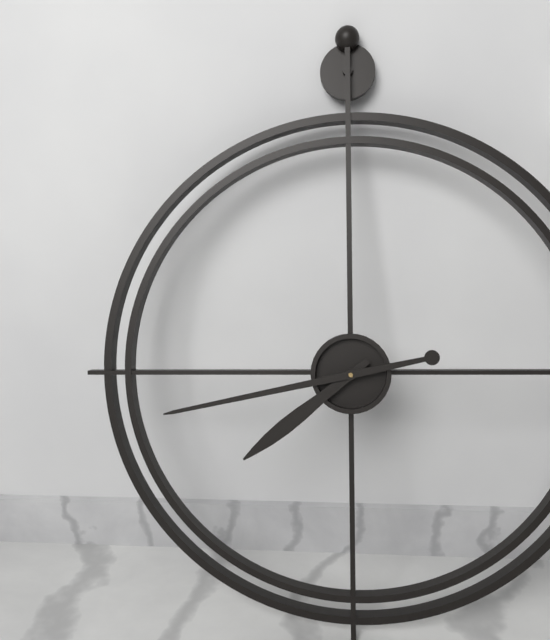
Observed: 7:43
